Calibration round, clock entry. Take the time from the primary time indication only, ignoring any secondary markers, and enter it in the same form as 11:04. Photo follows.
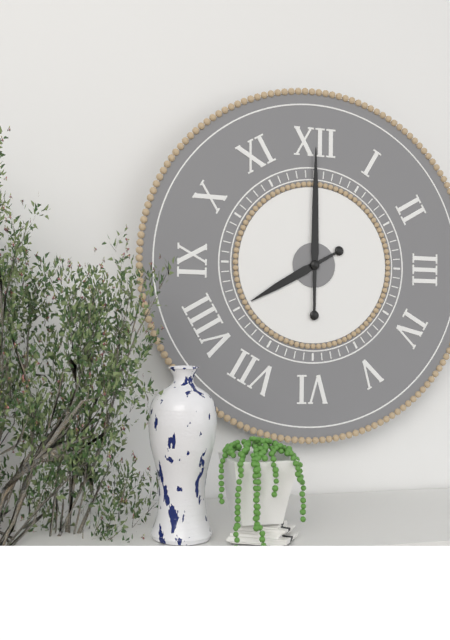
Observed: 8:00
